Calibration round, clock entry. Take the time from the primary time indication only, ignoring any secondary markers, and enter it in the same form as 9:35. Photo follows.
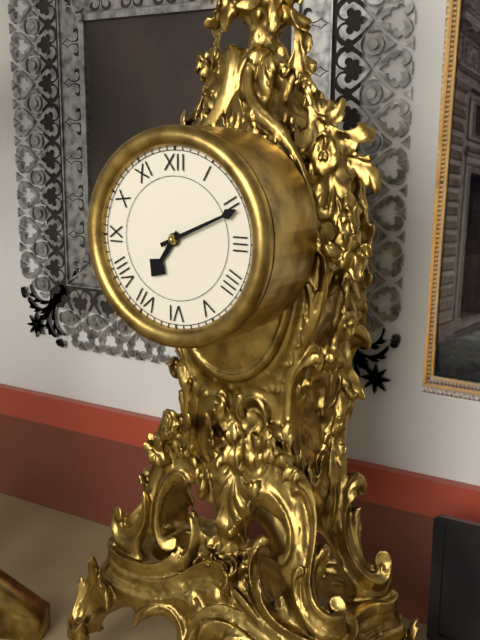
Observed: 7:11
